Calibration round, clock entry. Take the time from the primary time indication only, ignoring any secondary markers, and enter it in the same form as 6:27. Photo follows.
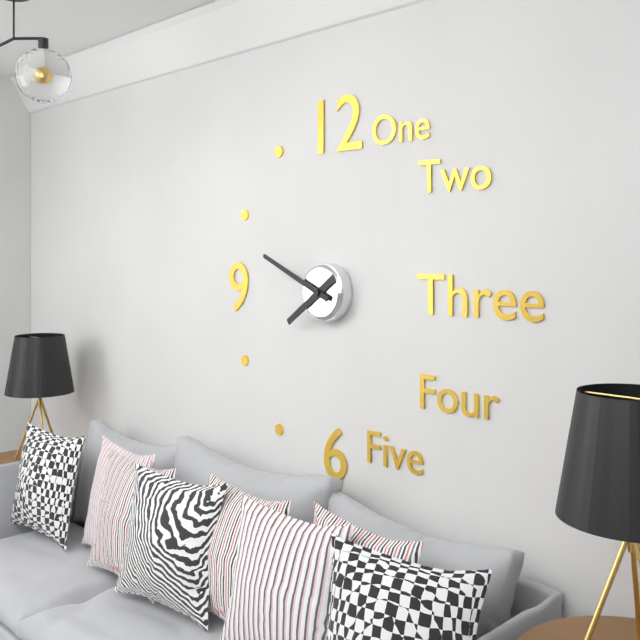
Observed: 7:49
